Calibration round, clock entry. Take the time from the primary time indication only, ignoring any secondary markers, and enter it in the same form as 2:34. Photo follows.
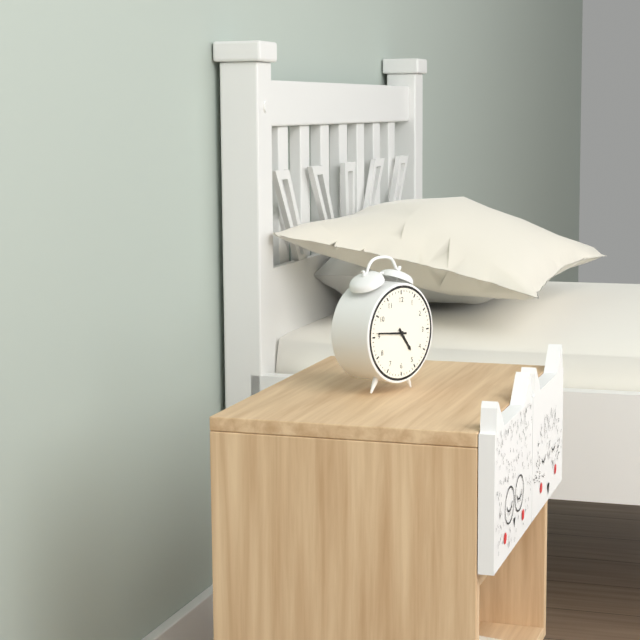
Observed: 4:46
